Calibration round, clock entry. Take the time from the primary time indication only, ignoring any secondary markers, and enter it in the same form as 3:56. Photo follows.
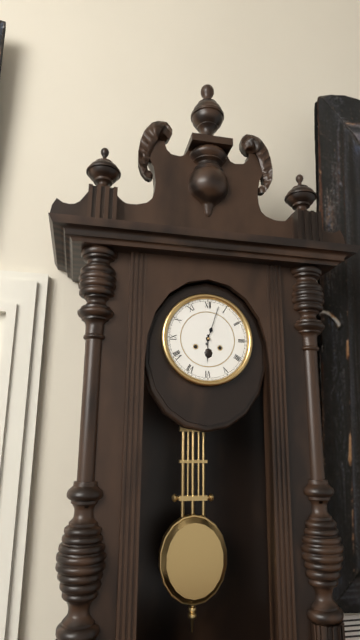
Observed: 6:03
